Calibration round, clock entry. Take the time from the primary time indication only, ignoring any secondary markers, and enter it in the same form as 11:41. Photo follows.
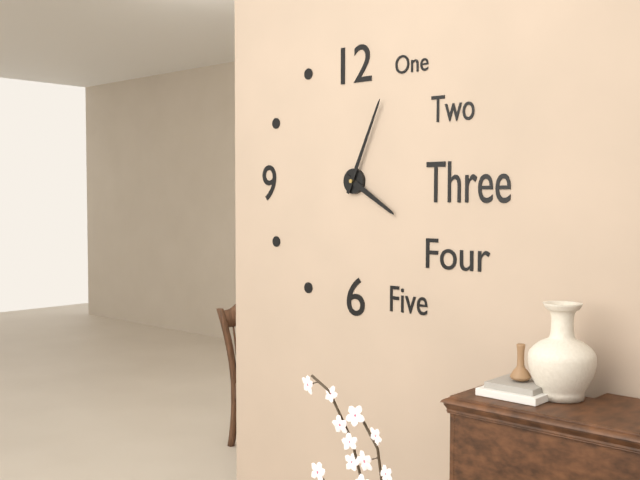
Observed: 4:04
